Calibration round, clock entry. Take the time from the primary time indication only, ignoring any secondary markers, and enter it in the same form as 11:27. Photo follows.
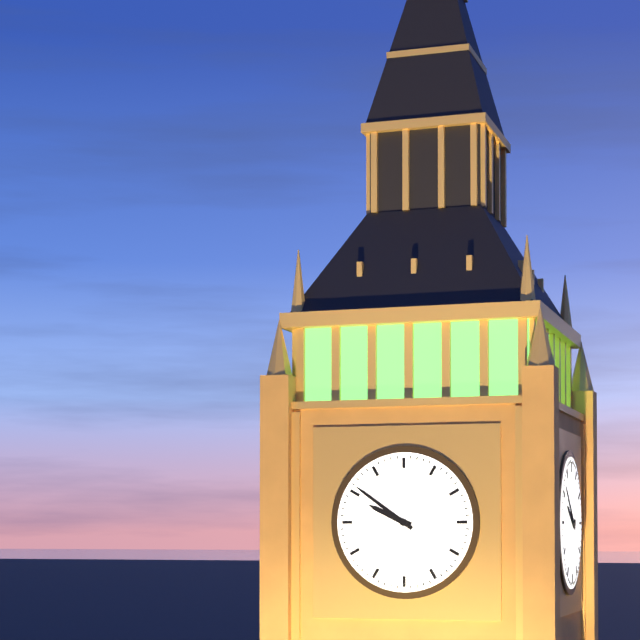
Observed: 9:51
